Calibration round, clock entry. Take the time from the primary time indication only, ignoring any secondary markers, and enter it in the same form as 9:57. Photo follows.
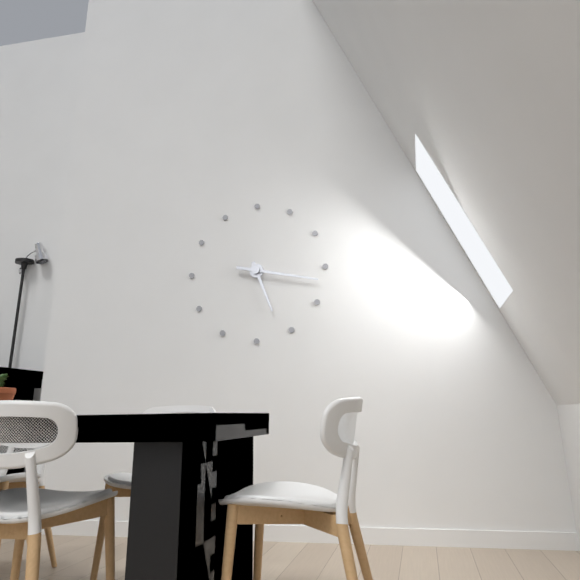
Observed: 5:17
